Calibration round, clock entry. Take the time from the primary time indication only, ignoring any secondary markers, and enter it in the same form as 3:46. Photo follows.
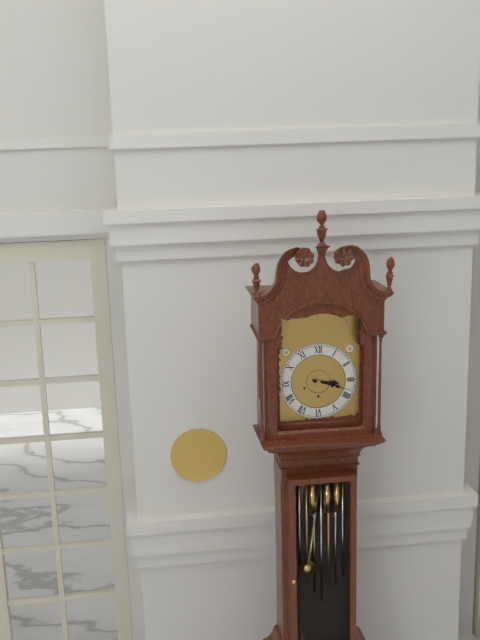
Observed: 3:18
